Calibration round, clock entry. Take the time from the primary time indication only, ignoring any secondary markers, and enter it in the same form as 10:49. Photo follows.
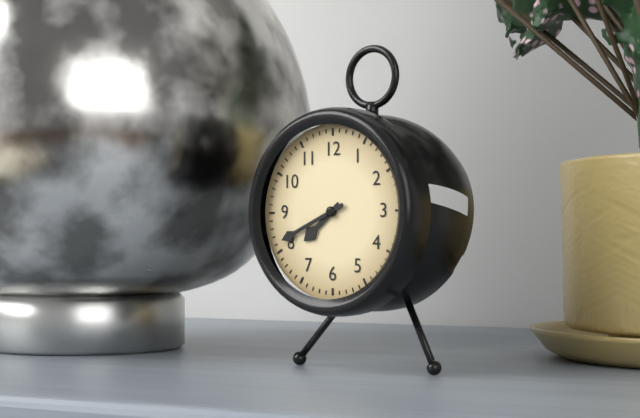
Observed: 7:41
